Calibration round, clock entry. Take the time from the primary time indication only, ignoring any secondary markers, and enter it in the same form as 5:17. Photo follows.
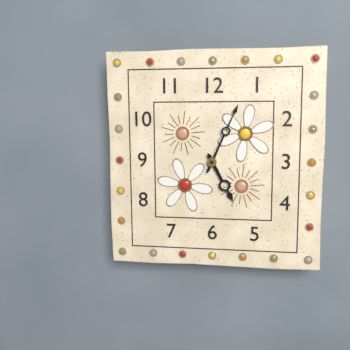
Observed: 5:04
